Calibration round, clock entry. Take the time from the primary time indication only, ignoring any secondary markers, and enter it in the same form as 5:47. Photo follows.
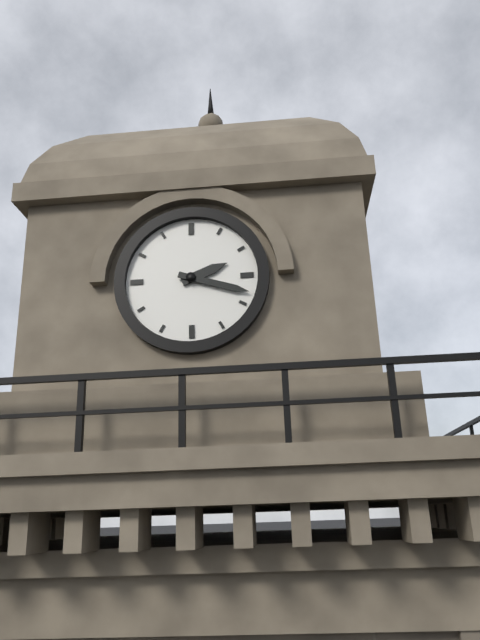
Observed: 2:18
